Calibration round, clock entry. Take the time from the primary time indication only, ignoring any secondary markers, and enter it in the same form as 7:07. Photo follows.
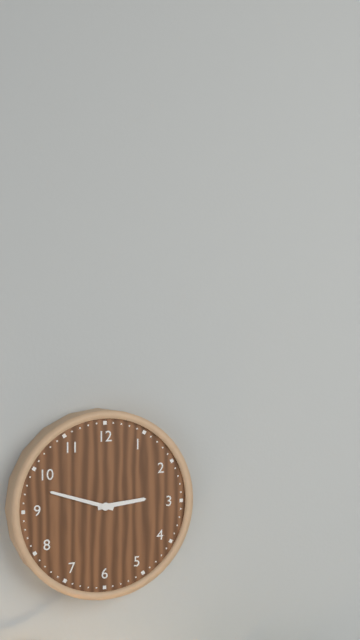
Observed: 2:48
